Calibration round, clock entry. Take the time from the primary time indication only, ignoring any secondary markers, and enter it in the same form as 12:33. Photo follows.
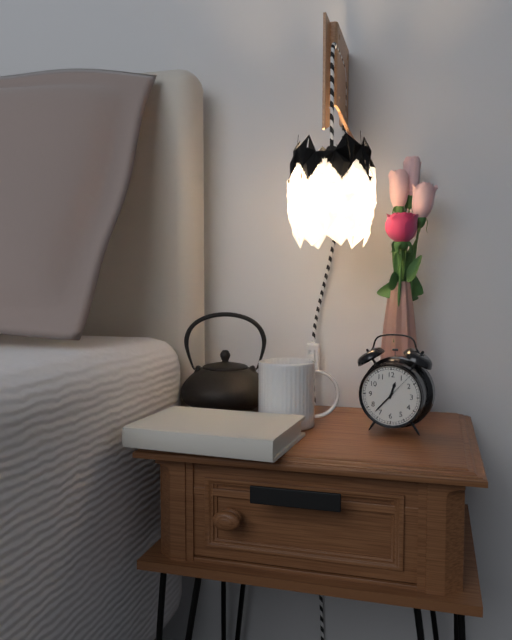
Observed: 12:37
